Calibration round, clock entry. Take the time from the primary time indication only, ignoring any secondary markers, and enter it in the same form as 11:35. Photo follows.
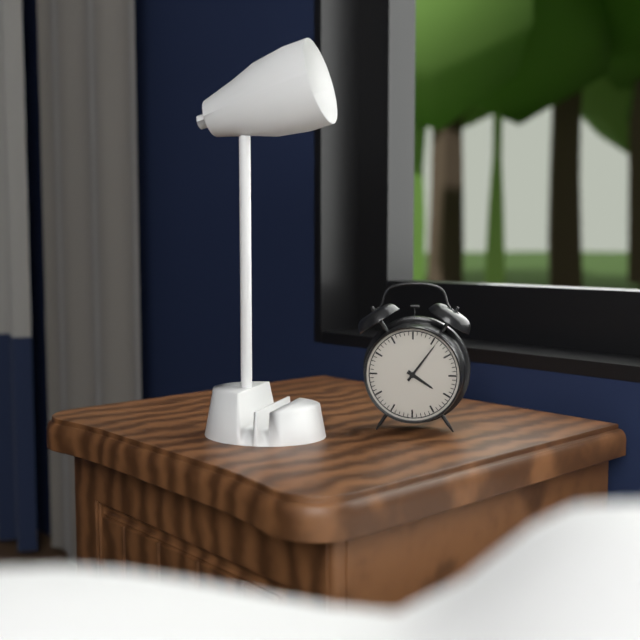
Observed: 4:06
